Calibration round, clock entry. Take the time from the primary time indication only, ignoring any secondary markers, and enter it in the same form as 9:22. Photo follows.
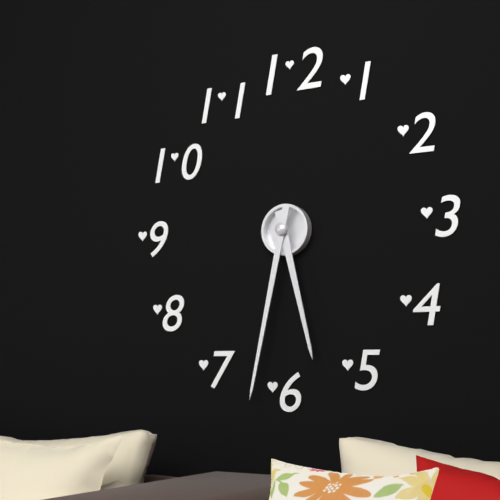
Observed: 5:32
